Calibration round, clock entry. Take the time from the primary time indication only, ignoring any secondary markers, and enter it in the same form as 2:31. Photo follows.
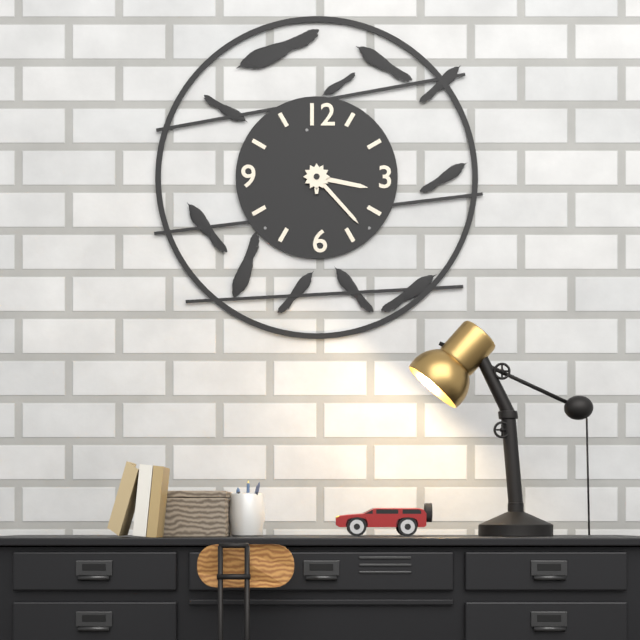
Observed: 3:23
